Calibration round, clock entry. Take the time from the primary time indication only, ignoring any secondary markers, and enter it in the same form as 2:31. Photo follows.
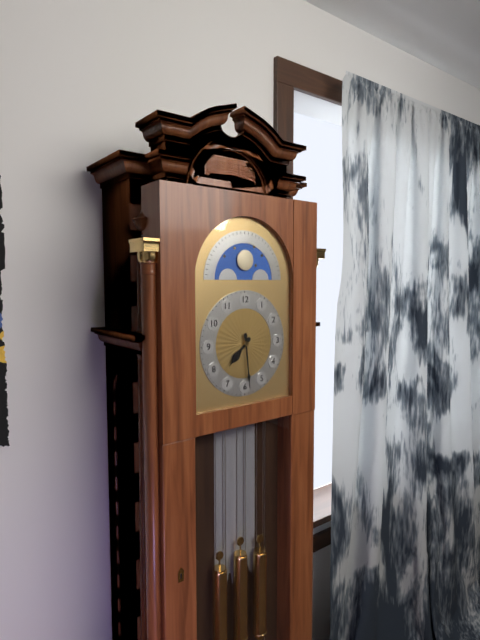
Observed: 7:29
